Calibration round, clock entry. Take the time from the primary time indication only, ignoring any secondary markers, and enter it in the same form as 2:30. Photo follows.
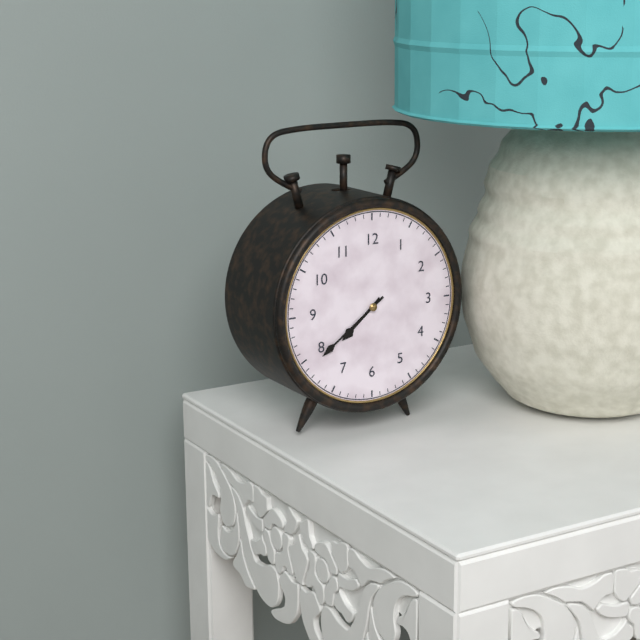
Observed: 7:39
